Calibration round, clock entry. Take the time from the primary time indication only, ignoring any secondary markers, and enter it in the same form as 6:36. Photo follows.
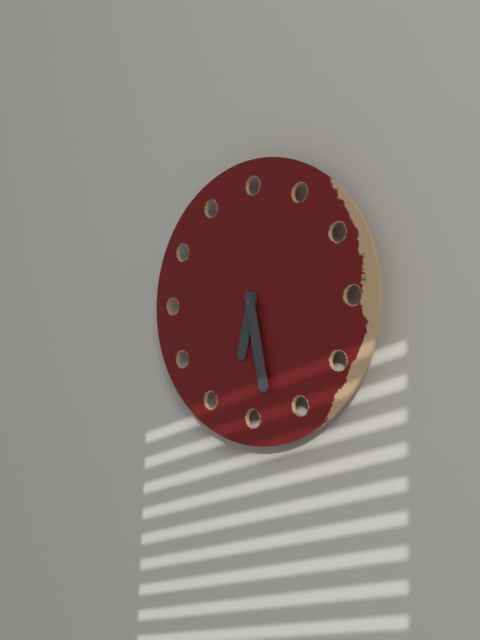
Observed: 6:28
